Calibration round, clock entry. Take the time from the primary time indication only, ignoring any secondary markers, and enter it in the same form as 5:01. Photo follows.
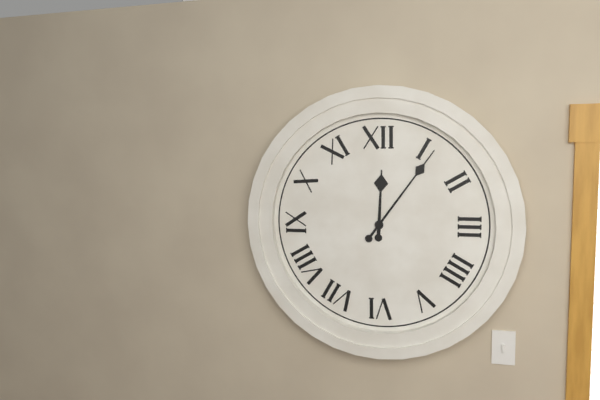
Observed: 12:06
